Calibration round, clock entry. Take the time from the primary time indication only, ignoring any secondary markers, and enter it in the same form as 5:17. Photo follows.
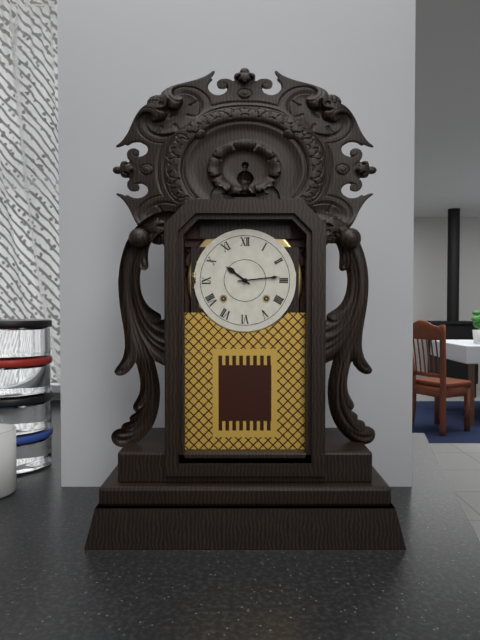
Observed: 10:14
